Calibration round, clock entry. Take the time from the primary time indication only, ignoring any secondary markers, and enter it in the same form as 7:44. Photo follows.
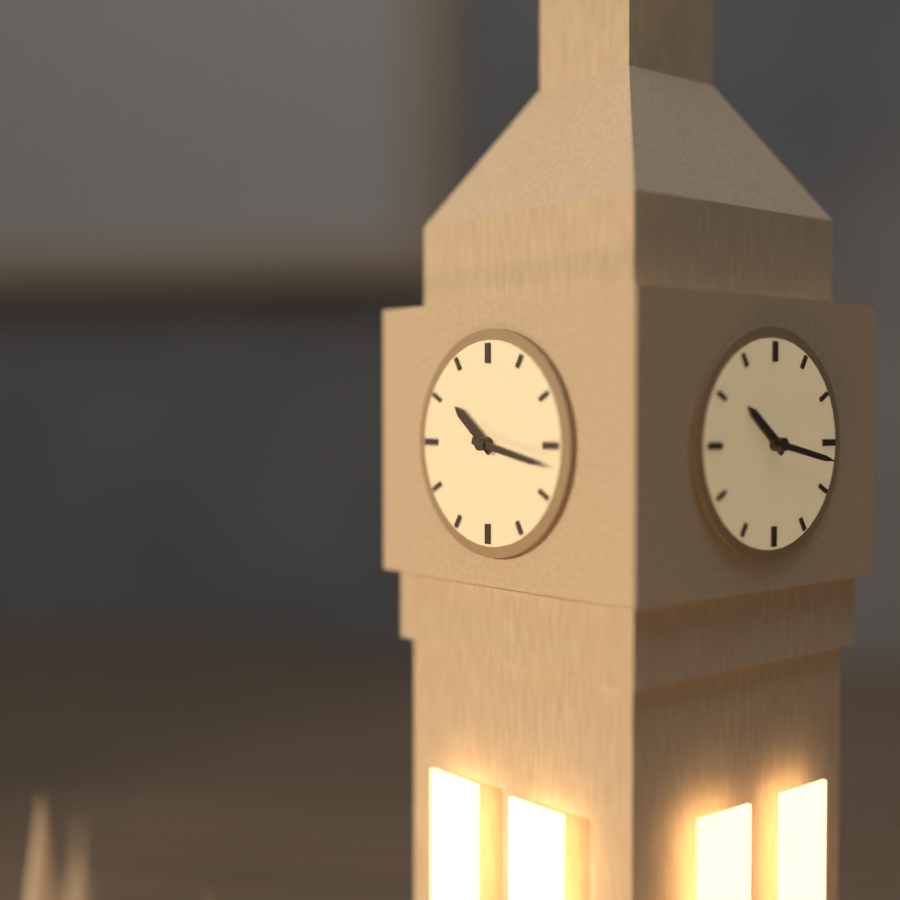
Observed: 10:17
